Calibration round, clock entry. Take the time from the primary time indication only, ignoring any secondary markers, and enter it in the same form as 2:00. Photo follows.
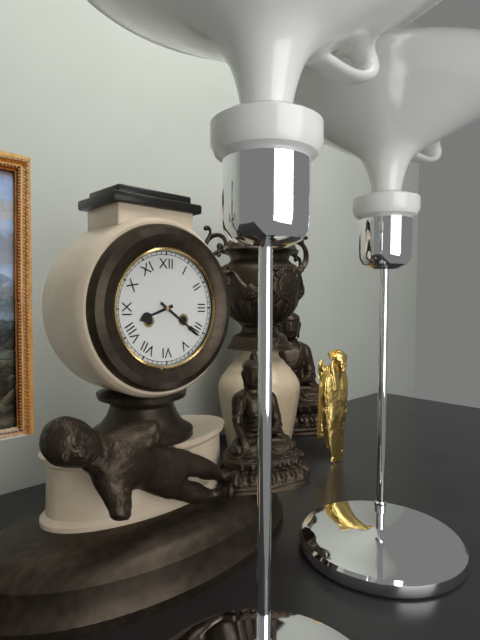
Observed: 8:21
